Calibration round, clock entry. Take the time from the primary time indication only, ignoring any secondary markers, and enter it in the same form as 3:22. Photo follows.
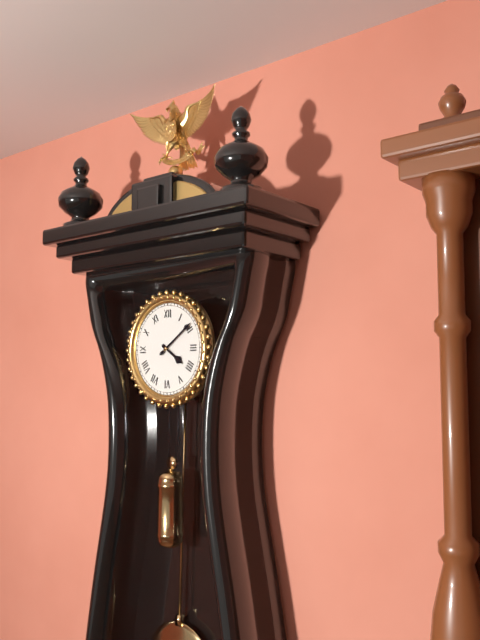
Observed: 4:09
